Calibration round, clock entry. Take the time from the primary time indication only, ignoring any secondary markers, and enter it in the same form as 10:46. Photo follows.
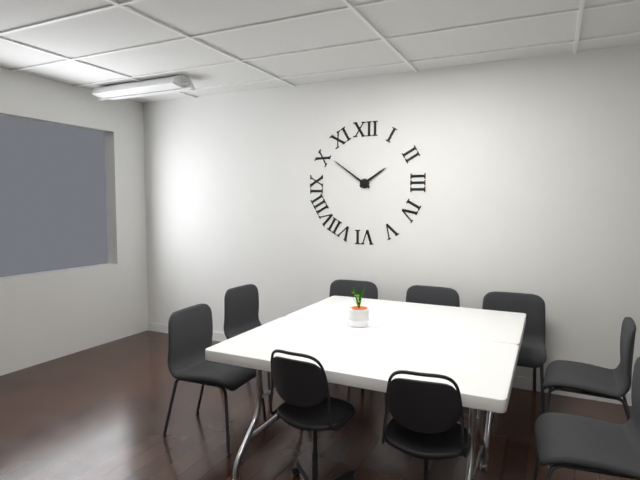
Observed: 1:51
